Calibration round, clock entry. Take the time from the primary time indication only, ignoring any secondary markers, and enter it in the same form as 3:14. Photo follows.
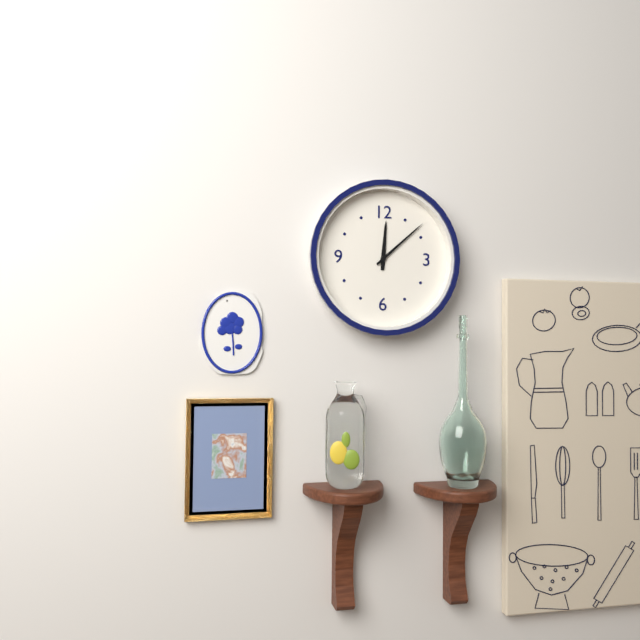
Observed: 12:08
